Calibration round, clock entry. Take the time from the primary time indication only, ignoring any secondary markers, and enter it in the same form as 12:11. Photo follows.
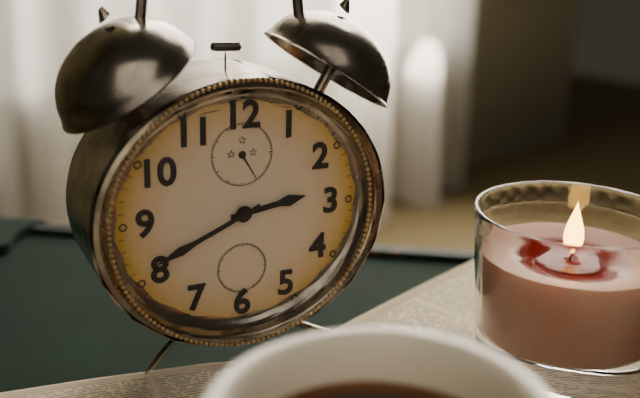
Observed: 2:41
